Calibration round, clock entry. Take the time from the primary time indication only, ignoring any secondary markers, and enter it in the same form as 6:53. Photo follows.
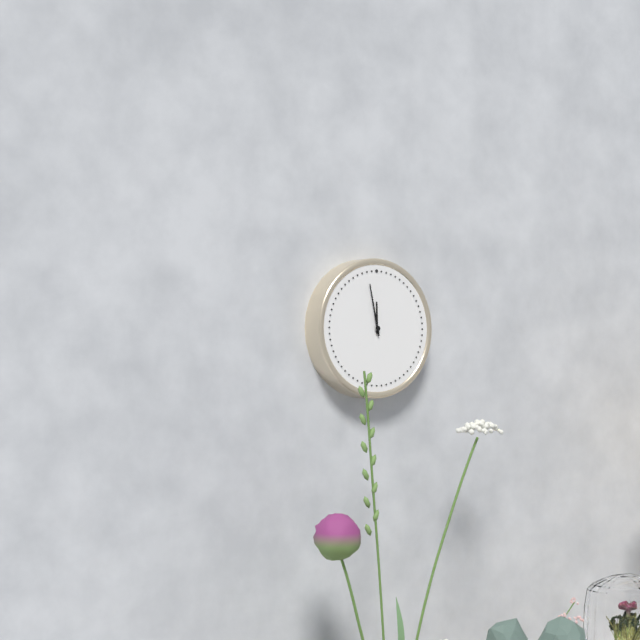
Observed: 11:58
